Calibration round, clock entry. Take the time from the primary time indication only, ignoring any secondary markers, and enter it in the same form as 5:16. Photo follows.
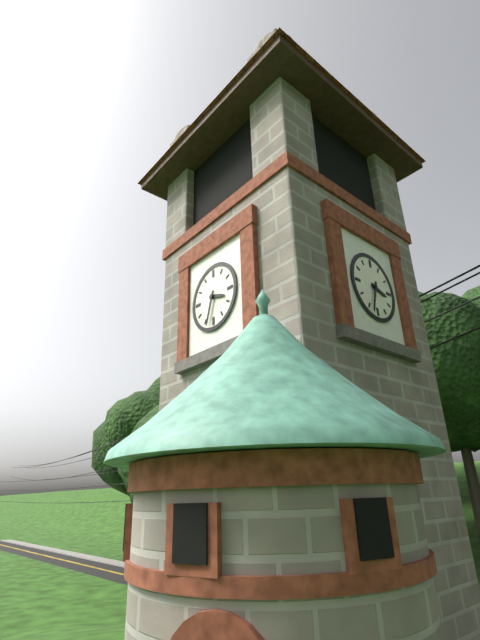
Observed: 3:33
